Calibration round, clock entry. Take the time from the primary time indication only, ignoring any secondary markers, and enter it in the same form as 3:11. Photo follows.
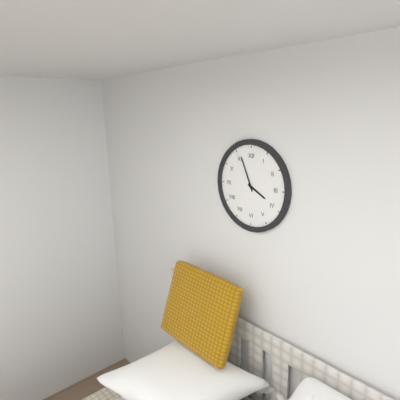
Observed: 3:56
